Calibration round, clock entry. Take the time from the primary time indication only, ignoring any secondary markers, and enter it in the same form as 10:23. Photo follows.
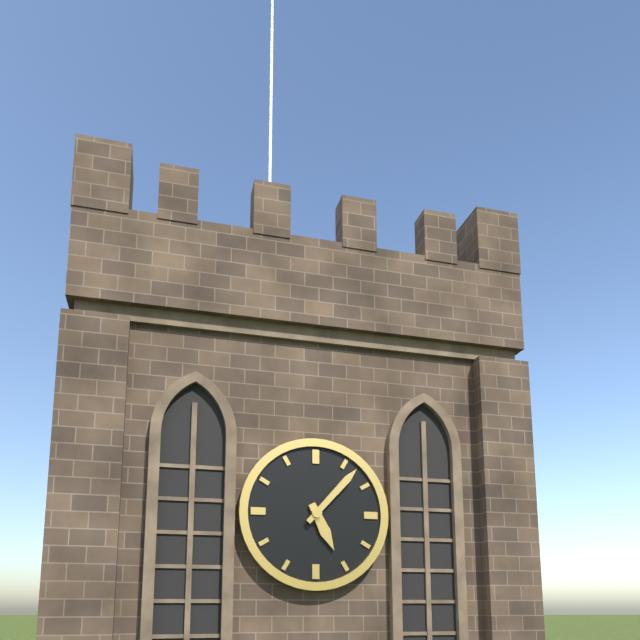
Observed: 5:07
